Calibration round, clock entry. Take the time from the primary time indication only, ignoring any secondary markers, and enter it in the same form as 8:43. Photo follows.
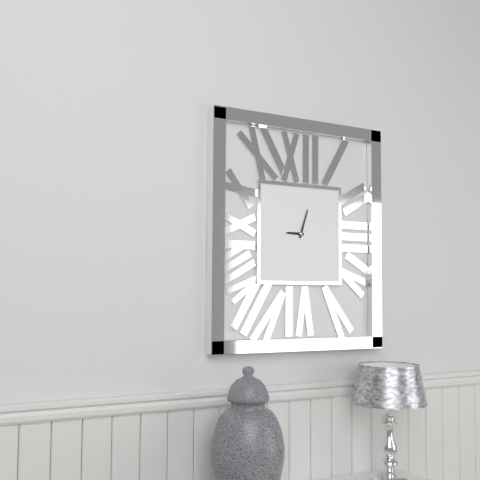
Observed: 9:03
